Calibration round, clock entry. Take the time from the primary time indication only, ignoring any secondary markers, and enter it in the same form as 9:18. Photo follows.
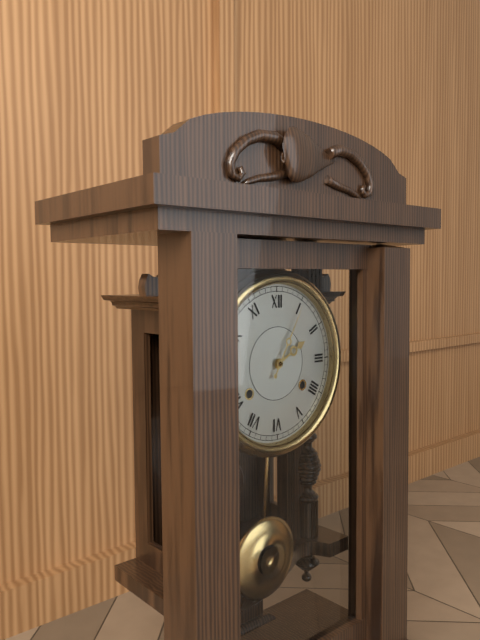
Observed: 2:05
